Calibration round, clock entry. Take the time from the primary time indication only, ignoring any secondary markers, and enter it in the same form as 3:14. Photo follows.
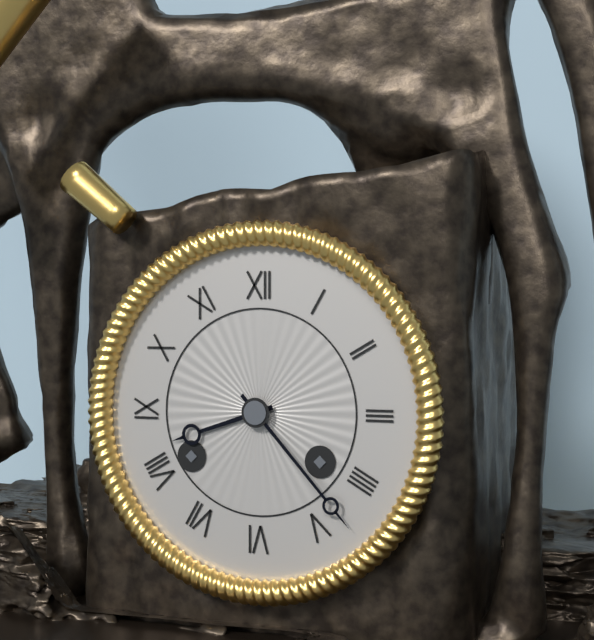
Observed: 8:23
